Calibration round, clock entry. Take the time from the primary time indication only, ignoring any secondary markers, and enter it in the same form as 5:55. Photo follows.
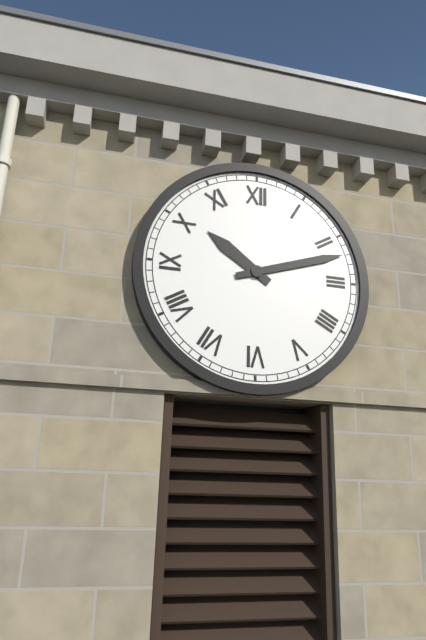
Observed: 10:12
